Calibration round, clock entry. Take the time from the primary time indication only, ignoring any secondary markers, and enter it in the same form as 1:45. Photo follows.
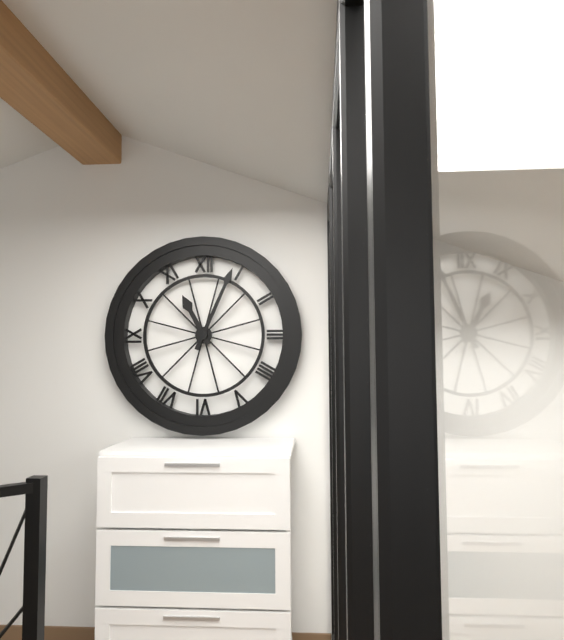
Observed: 11:04
